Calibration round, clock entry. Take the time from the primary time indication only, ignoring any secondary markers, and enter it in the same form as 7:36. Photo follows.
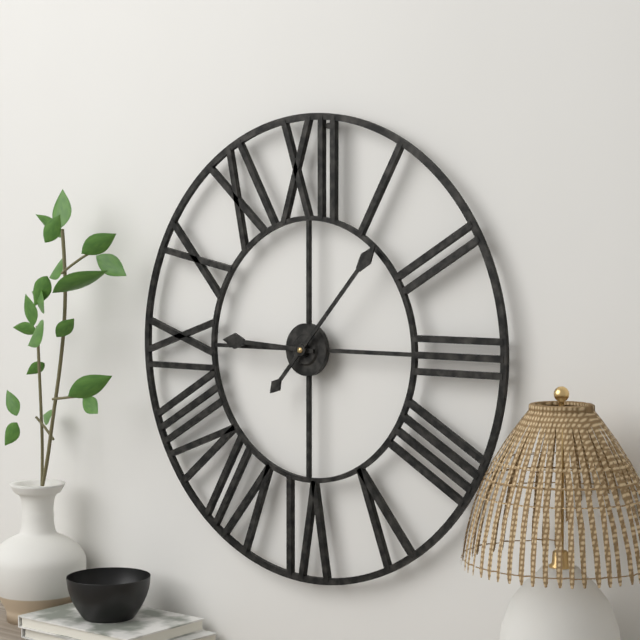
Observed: 9:07
